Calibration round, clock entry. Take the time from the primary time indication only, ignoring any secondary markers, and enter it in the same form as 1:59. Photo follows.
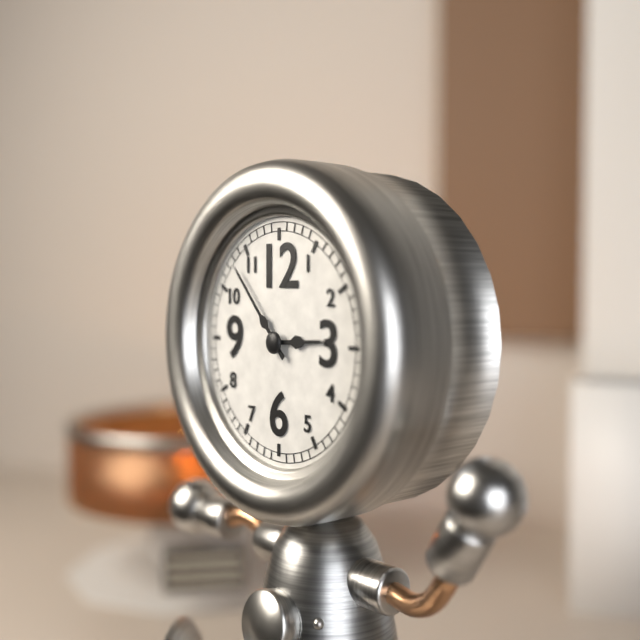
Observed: 2:53
